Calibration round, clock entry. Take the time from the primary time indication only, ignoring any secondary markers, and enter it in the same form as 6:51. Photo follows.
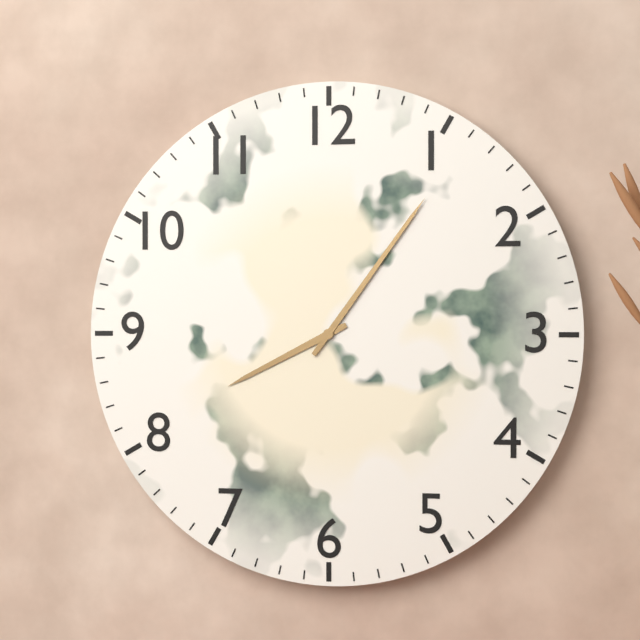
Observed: 8:06
